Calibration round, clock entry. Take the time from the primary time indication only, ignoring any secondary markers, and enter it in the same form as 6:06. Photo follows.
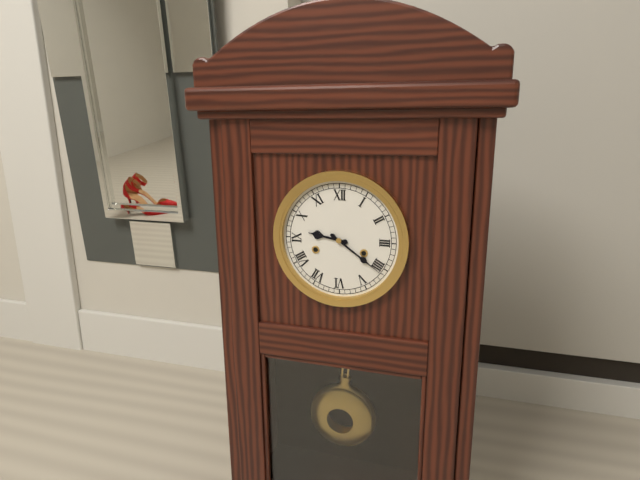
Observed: 9:21
